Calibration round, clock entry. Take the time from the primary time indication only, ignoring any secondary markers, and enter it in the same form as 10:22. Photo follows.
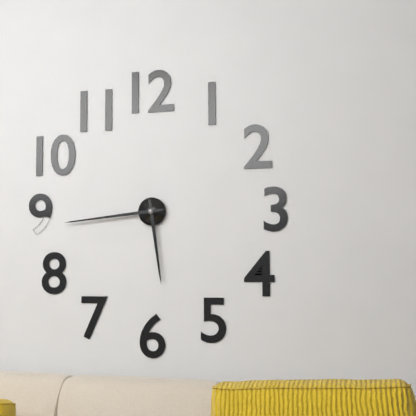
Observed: 5:44
